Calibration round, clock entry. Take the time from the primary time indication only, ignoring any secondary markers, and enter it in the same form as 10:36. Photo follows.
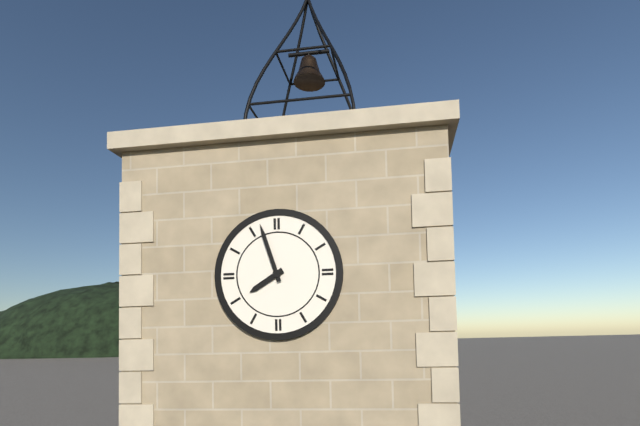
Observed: 7:57
